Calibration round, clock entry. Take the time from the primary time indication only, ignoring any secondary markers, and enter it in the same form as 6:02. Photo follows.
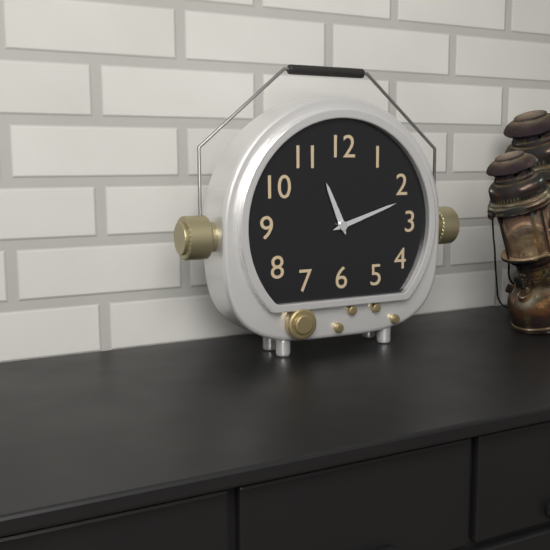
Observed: 11:12
